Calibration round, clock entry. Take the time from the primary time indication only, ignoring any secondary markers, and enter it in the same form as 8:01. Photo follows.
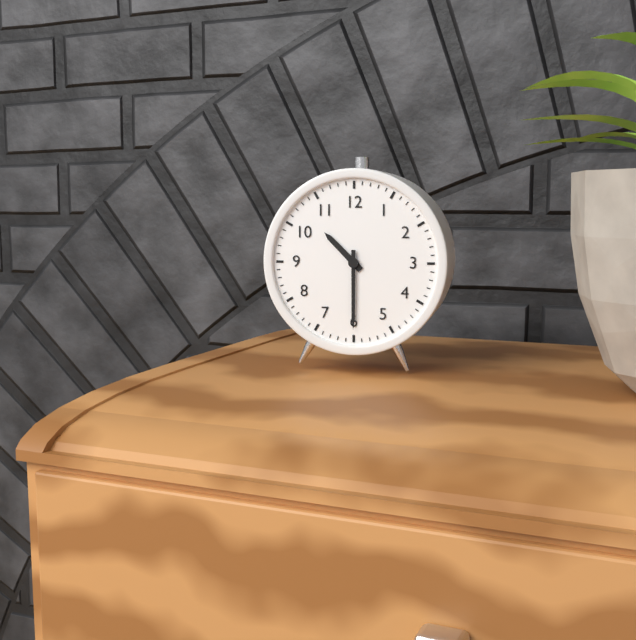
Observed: 10:30
